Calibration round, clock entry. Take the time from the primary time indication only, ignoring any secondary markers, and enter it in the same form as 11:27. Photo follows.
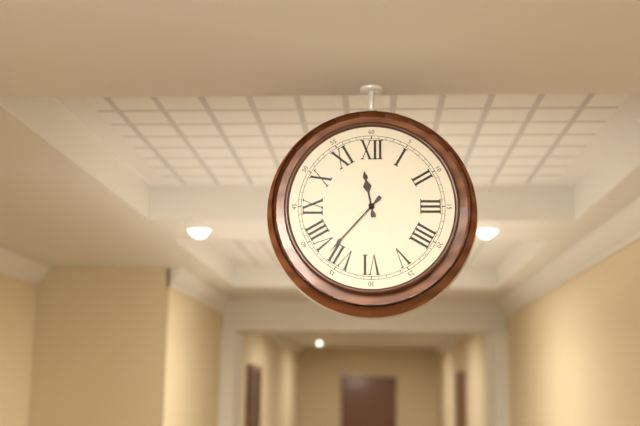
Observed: 11:37
